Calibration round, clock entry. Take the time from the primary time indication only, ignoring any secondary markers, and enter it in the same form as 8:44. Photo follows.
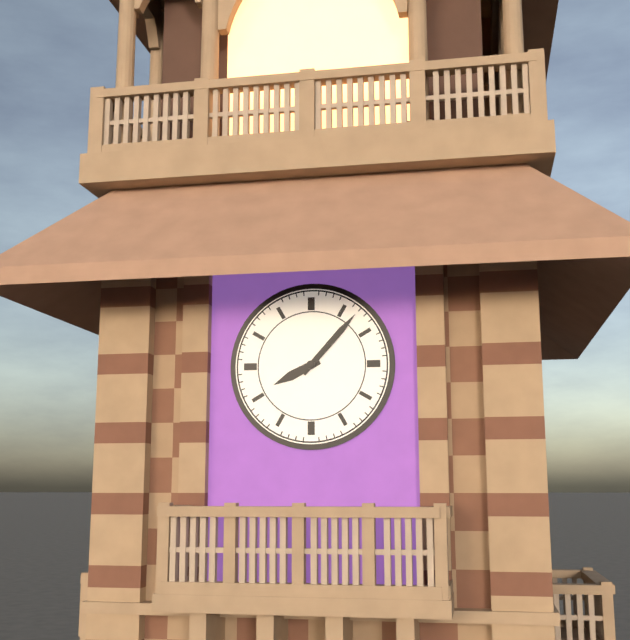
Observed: 8:07
